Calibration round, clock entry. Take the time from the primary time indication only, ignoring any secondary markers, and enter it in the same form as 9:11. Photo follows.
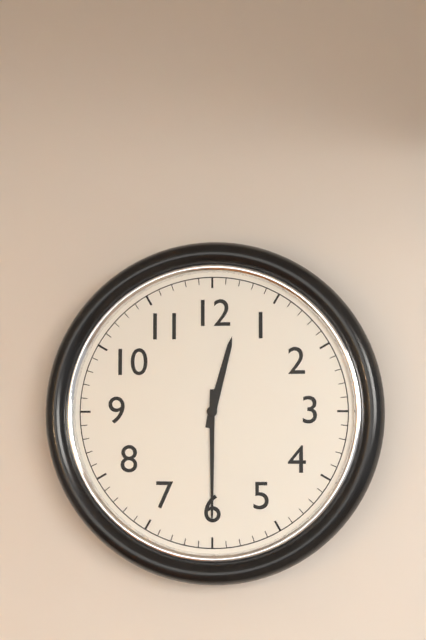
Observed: 12:30
